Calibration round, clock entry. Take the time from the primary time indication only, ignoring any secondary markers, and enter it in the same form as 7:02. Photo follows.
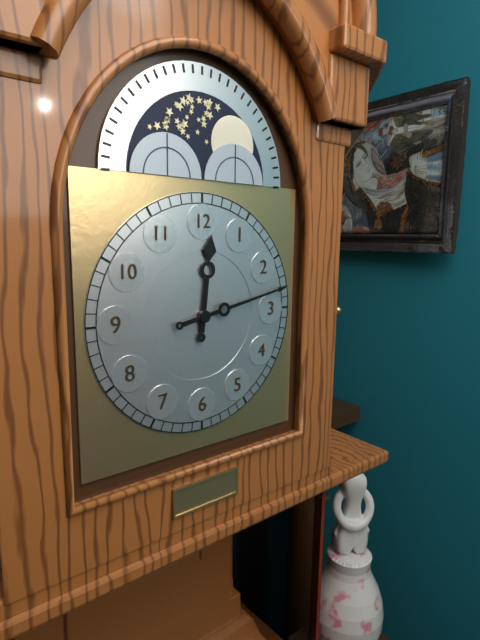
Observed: 12:13
